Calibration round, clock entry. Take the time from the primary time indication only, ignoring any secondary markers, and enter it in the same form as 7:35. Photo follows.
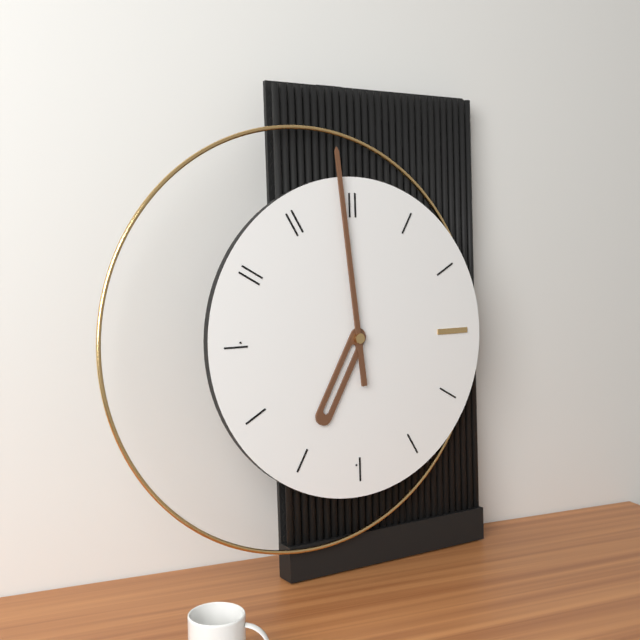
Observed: 6:59
